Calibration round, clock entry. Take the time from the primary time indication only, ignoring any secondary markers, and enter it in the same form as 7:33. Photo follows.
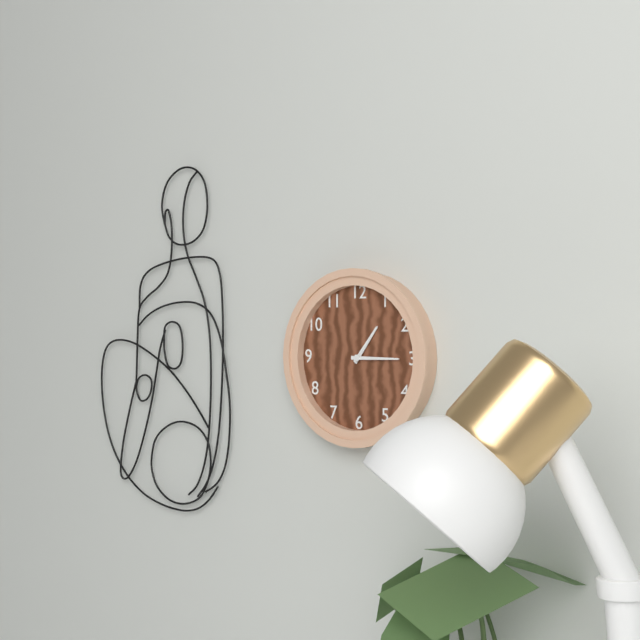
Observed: 1:15
